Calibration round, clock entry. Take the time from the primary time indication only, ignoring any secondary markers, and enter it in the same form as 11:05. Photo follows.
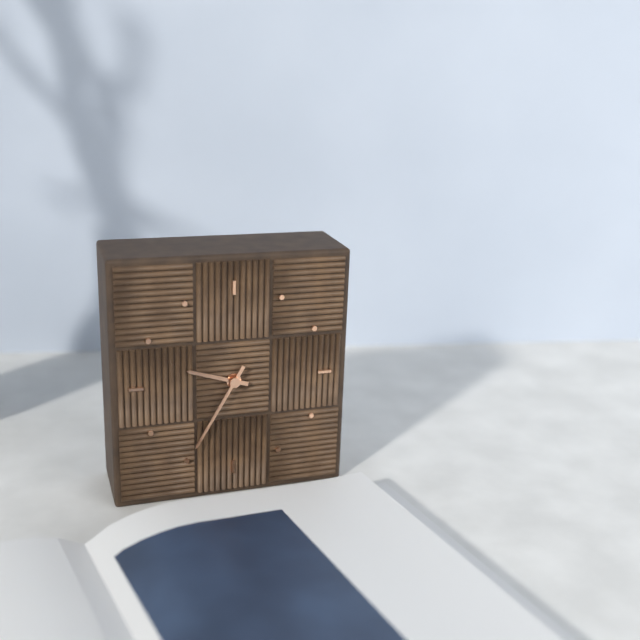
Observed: 9:35
